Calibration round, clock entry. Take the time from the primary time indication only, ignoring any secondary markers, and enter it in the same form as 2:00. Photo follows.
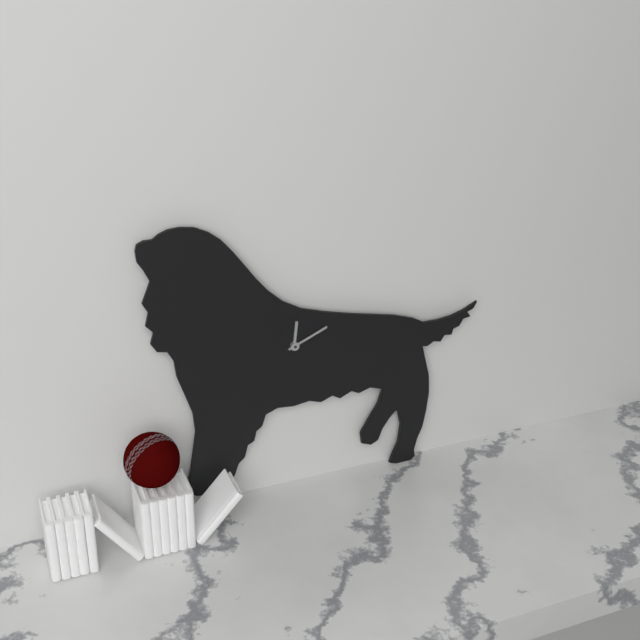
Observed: 12:11
